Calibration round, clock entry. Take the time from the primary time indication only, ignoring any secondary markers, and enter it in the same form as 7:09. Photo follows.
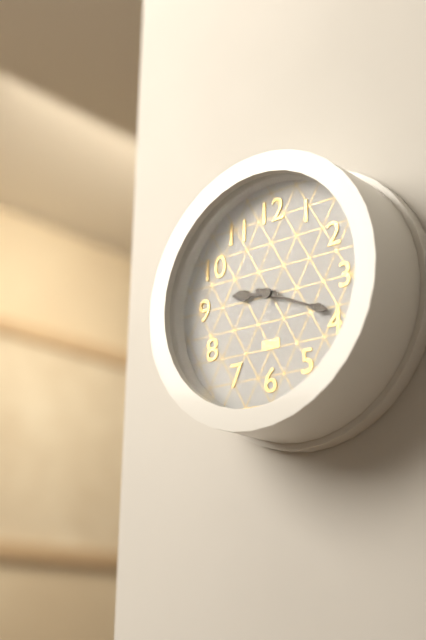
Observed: 9:19
